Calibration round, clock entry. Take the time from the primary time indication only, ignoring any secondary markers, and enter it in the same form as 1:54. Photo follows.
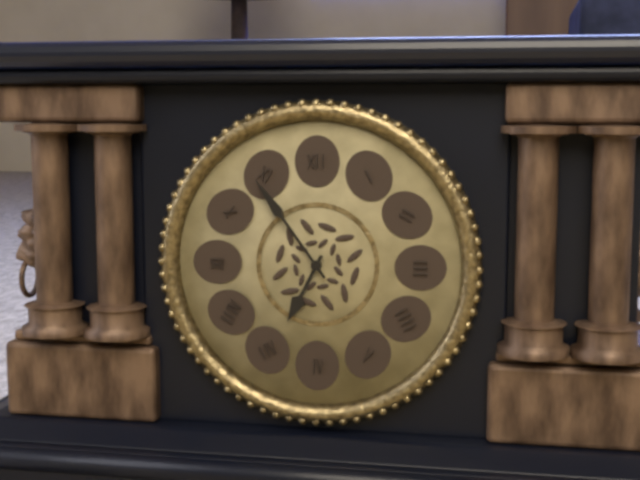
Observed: 6:54
